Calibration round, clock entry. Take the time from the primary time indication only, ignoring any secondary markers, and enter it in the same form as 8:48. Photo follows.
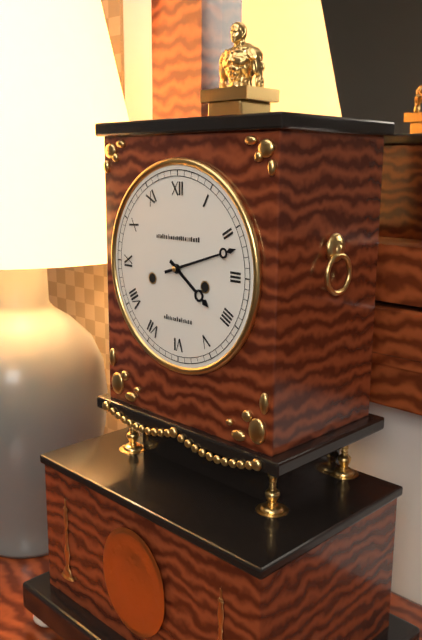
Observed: 4:12
